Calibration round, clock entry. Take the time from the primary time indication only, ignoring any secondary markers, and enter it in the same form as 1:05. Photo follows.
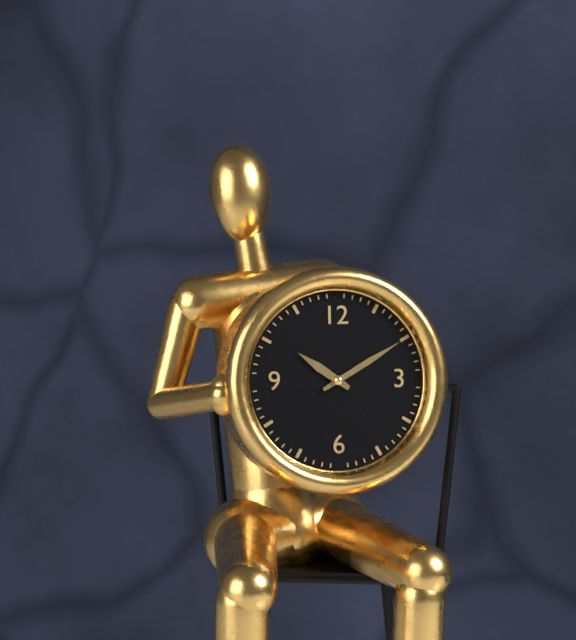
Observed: 10:10
